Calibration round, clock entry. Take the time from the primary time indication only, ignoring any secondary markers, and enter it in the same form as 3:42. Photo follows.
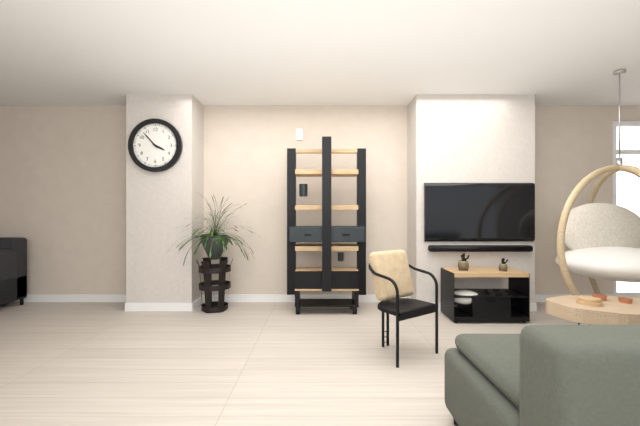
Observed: 3:53
